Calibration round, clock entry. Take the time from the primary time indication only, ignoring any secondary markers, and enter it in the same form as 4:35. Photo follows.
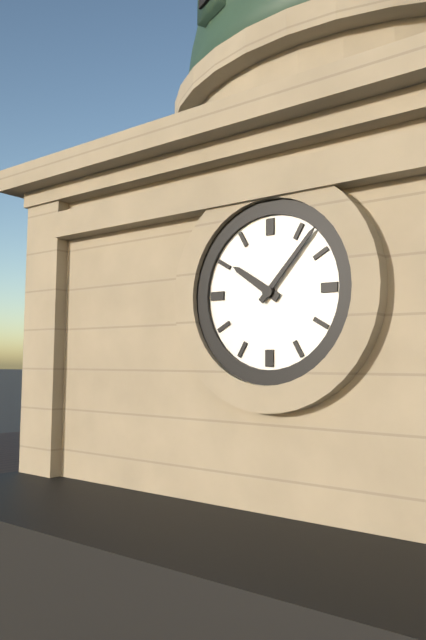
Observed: 10:07
